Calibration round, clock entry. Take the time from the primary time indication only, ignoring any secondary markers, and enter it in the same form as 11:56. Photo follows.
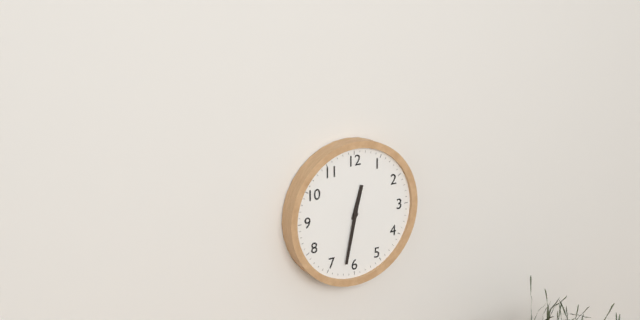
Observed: 12:32
